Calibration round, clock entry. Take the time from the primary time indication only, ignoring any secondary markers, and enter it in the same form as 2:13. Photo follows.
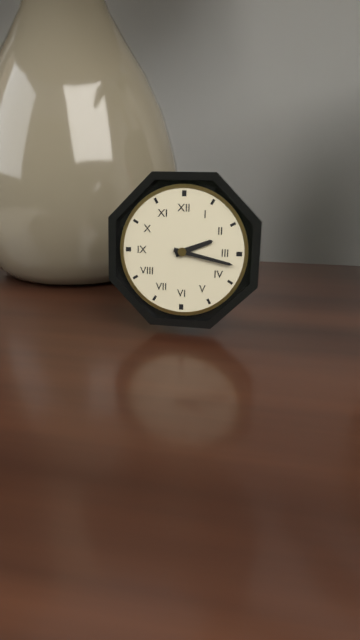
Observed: 2:17
